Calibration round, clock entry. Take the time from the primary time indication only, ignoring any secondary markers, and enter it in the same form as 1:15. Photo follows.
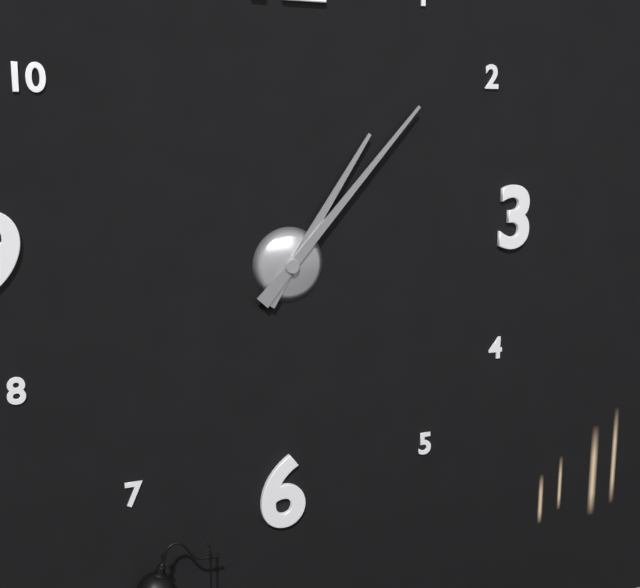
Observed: 1:07
